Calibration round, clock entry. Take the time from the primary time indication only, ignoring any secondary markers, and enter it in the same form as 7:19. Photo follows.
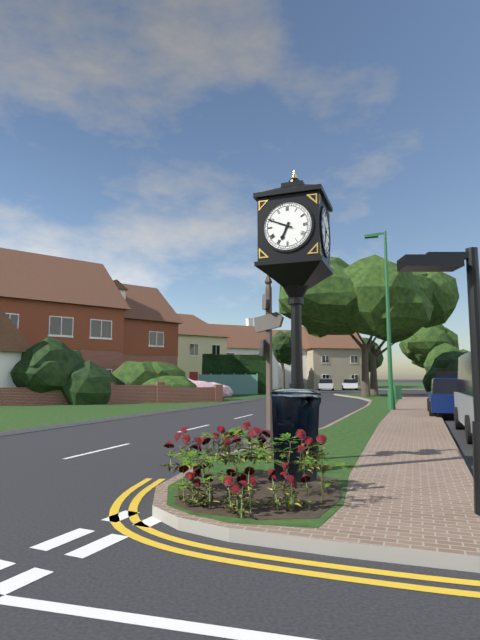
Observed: 6:49
